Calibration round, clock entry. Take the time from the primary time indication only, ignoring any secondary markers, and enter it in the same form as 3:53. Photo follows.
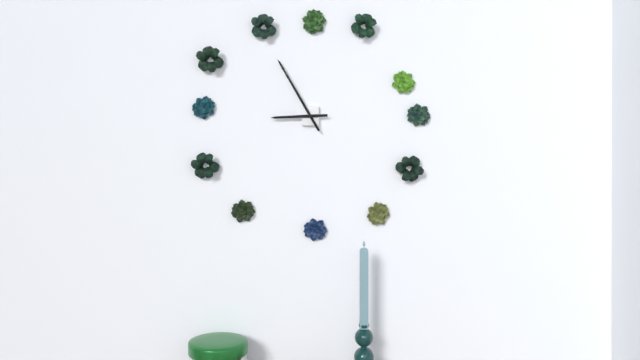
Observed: 8:55
